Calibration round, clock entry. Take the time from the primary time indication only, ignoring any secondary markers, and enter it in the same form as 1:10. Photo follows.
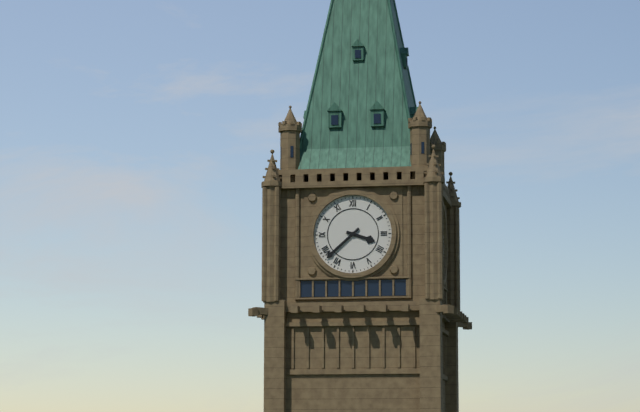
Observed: 3:38
